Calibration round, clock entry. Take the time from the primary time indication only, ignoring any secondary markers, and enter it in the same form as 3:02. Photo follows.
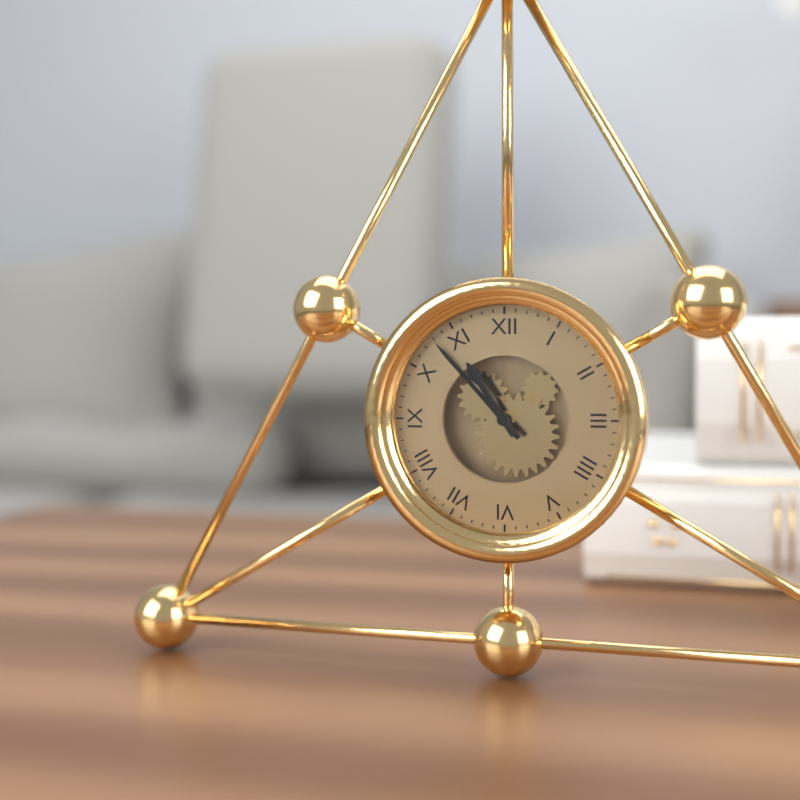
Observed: 10:53
